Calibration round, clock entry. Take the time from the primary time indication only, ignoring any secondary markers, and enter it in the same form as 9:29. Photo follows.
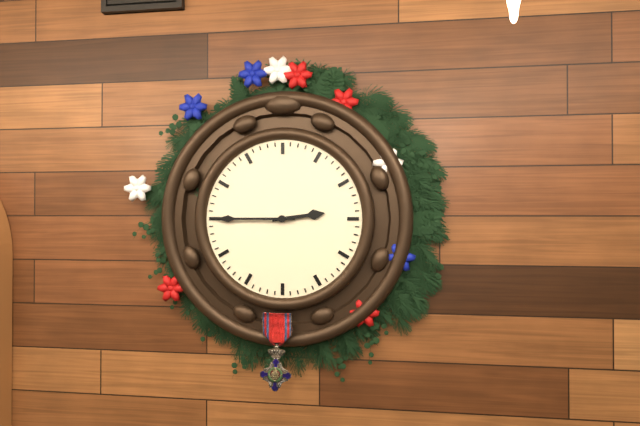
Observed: 2:45
